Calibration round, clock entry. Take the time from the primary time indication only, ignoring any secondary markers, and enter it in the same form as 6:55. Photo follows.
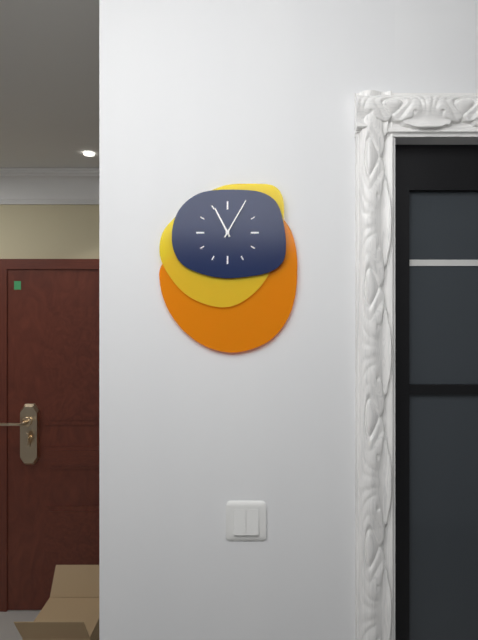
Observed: 11:05
